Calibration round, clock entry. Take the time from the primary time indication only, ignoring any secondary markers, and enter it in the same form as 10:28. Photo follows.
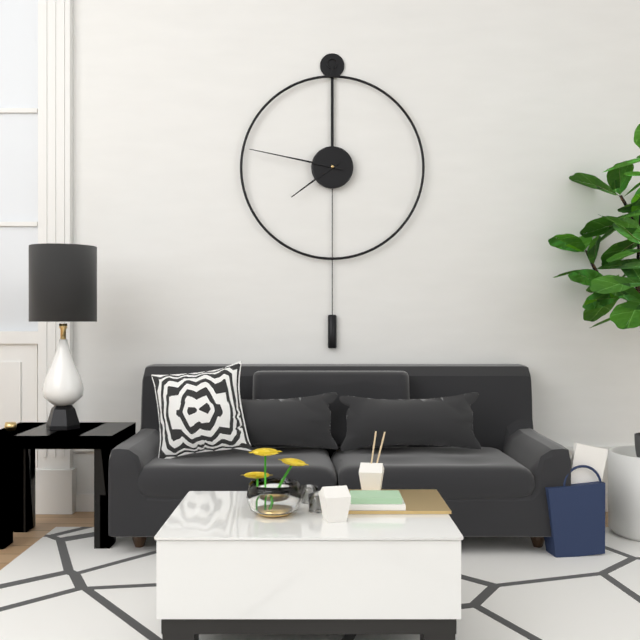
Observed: 7:47
